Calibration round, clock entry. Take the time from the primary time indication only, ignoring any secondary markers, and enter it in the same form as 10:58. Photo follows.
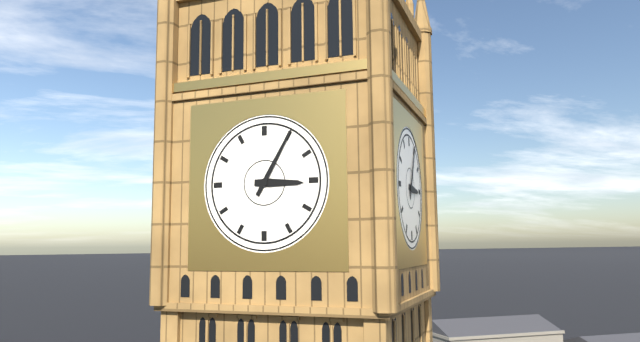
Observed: 3:05
